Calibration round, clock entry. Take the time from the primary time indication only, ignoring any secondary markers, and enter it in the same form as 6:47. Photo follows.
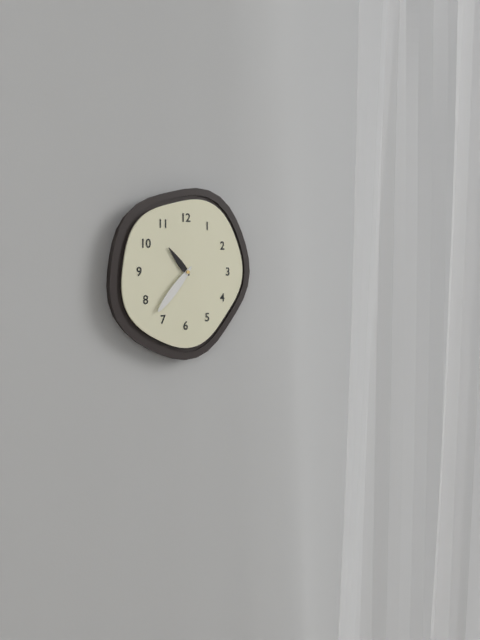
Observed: 10:37
